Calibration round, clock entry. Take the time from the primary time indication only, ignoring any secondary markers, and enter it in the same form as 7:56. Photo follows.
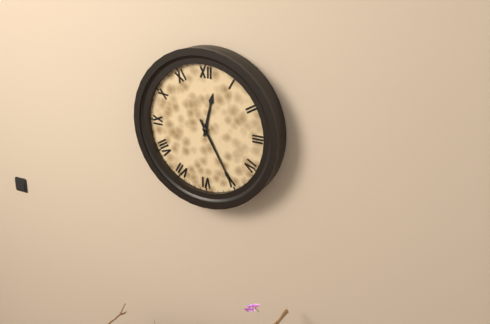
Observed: 12:25
